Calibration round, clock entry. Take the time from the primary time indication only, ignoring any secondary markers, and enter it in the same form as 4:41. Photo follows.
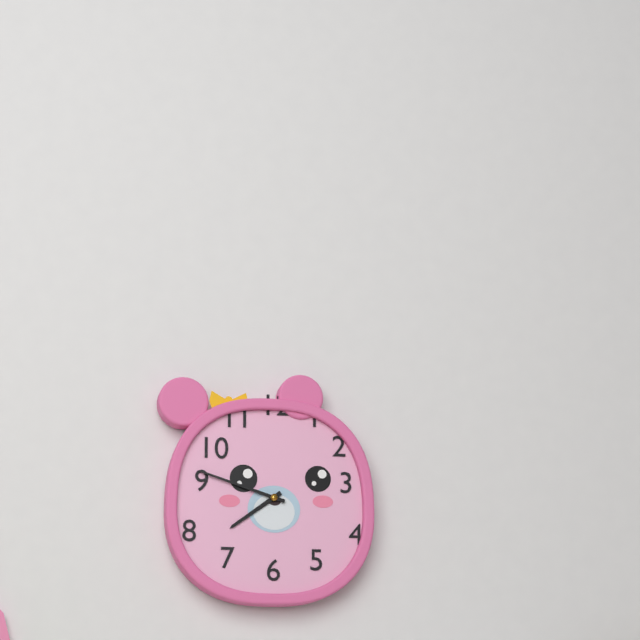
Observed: 7:48
